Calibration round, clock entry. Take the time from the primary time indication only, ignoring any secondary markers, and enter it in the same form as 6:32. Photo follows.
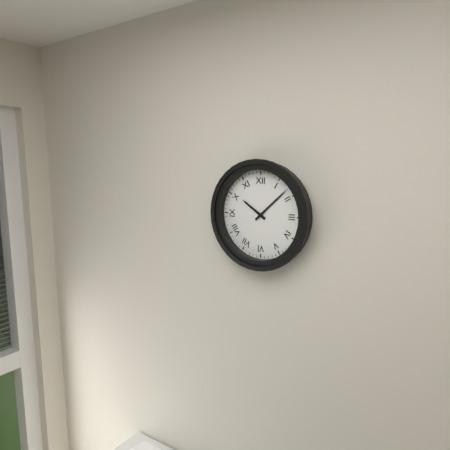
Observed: 10:08
